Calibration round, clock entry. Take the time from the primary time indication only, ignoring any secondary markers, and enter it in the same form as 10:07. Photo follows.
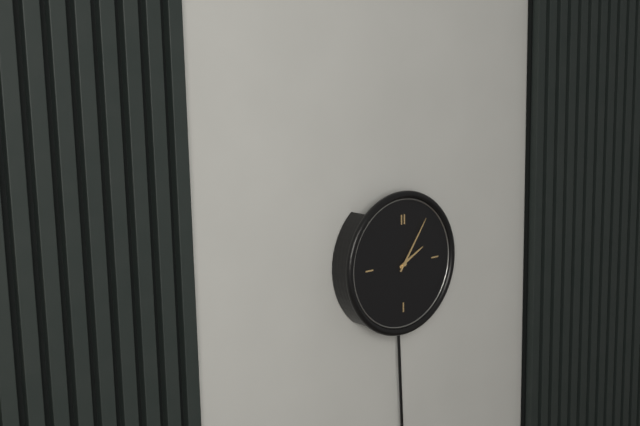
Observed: 2:06
